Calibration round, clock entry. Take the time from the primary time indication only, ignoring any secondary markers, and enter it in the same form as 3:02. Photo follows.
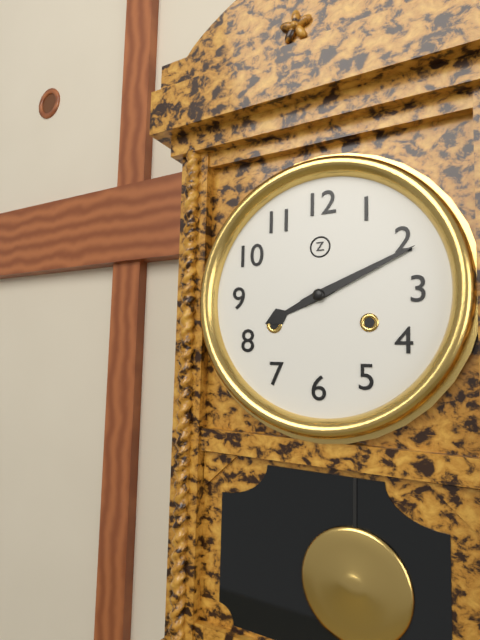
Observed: 8:11
